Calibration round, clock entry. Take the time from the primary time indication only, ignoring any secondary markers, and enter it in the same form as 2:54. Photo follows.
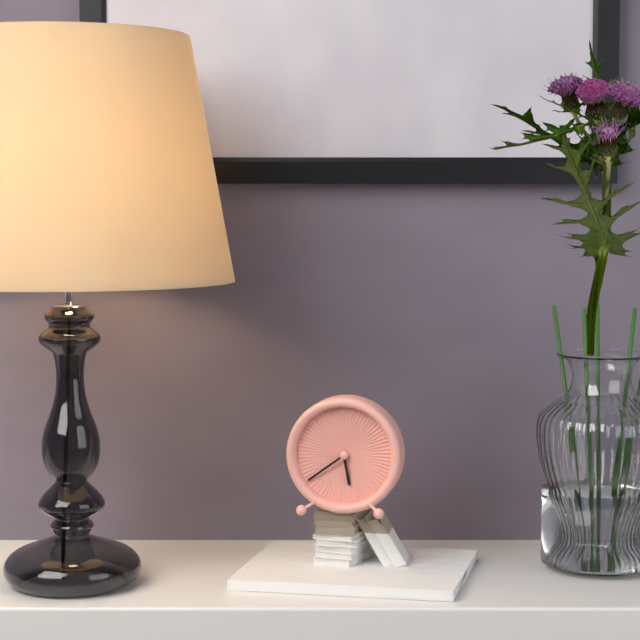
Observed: 5:39
